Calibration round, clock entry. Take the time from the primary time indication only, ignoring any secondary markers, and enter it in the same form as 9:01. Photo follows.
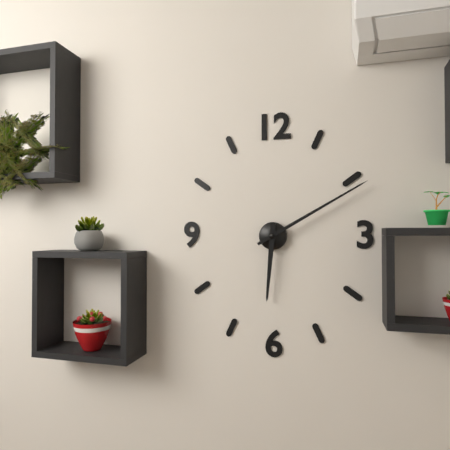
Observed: 6:10
